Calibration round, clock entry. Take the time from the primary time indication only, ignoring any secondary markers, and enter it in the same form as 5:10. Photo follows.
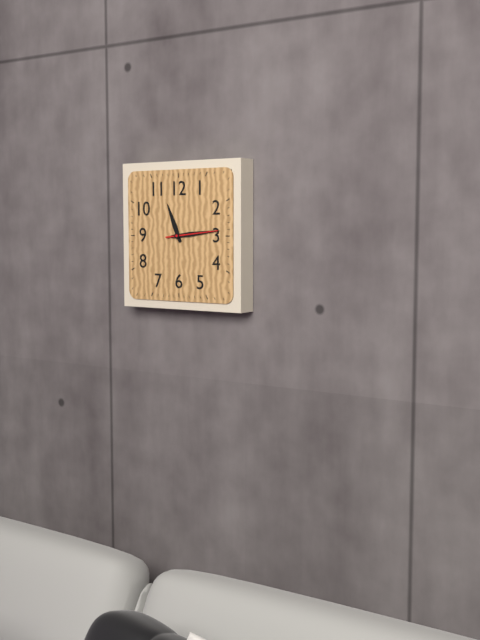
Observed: 11:14
